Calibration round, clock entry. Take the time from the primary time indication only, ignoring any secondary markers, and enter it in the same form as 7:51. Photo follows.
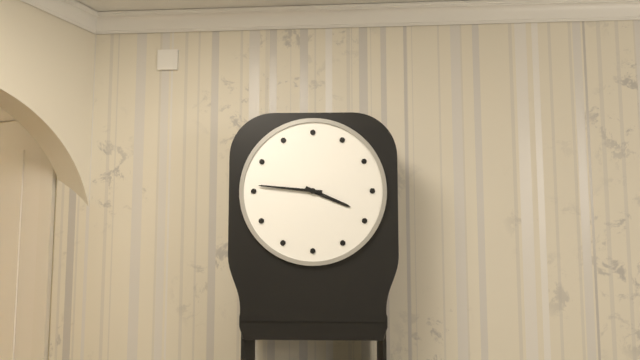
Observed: 3:46
